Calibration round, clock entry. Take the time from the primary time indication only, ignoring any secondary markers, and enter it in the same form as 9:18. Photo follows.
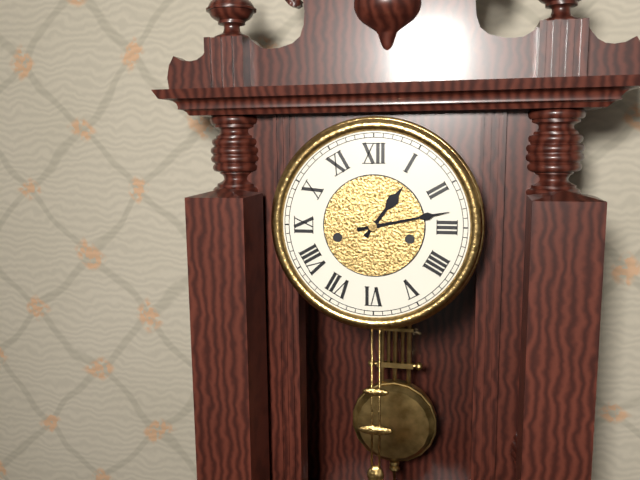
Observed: 1:13
